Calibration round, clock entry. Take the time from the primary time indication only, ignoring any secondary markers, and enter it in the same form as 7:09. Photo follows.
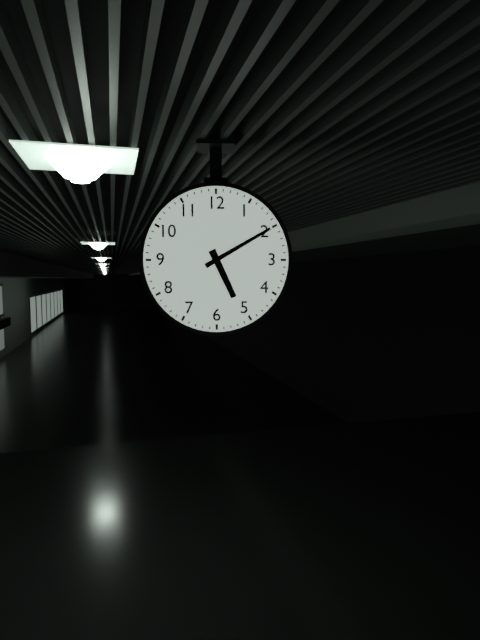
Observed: 5:10
